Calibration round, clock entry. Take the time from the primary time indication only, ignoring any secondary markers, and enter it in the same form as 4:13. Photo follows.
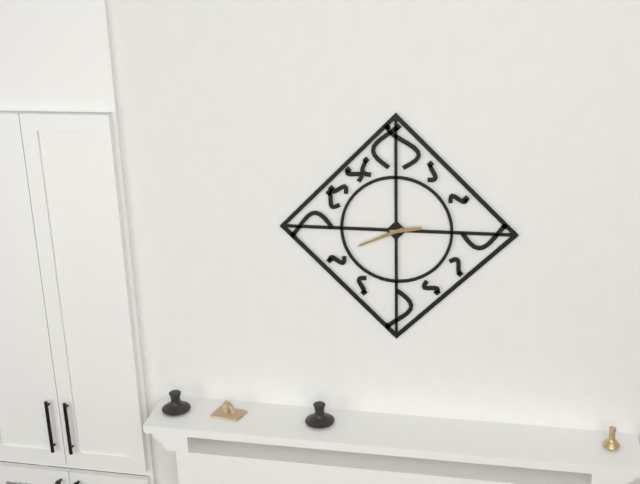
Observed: 2:41
